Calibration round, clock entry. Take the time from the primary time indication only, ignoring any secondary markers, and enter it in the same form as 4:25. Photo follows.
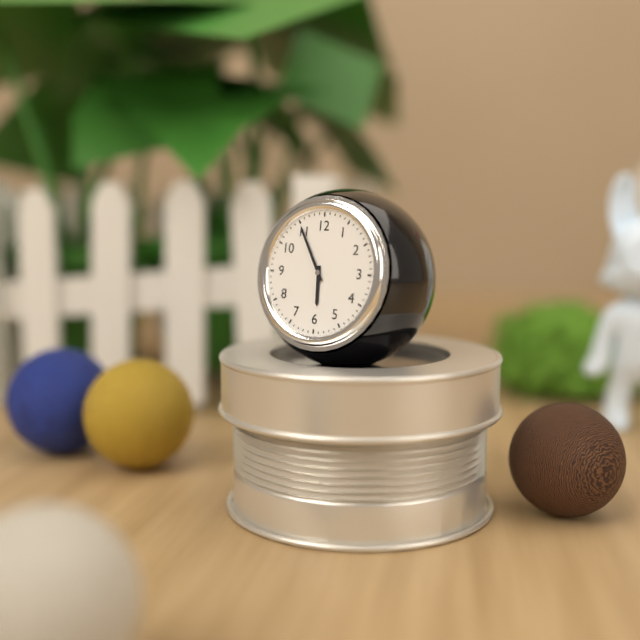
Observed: 5:55
